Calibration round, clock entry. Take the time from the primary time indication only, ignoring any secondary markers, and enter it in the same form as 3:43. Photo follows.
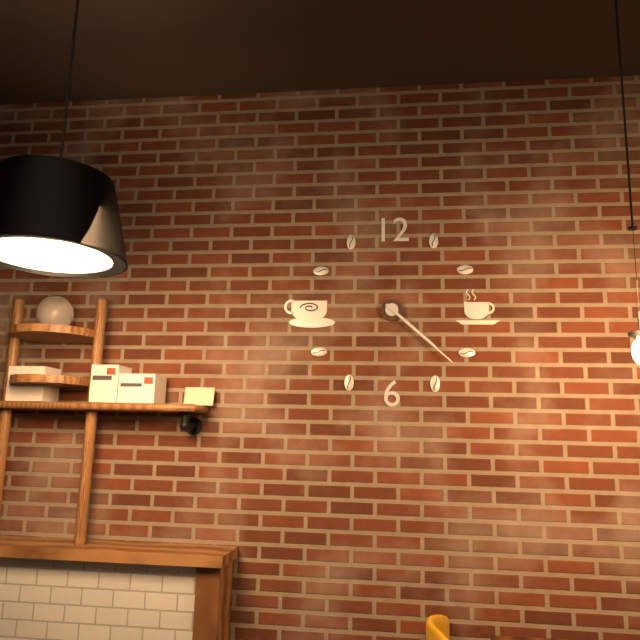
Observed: 4:22
